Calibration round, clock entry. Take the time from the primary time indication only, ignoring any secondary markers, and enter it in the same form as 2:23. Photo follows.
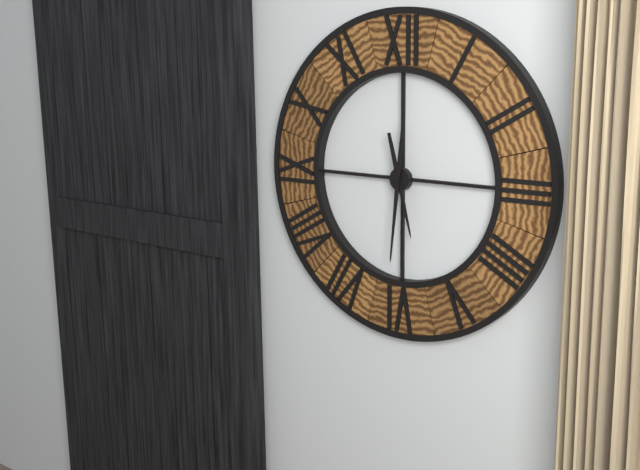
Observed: 5:31
